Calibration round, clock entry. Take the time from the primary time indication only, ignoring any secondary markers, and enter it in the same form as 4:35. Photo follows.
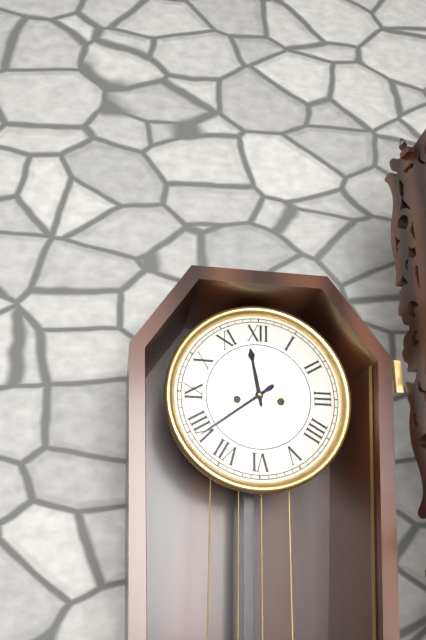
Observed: 11:39
